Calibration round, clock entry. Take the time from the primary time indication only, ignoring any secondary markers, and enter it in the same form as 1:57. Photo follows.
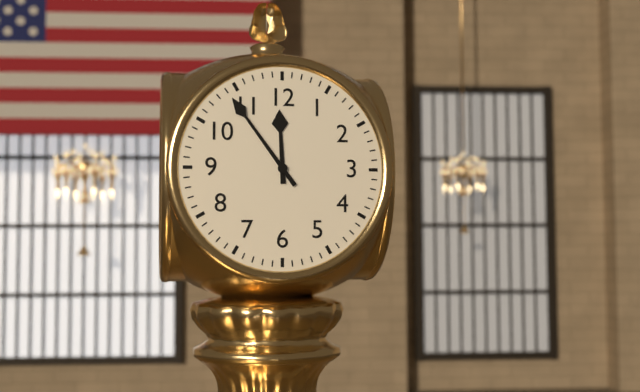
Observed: 11:54
